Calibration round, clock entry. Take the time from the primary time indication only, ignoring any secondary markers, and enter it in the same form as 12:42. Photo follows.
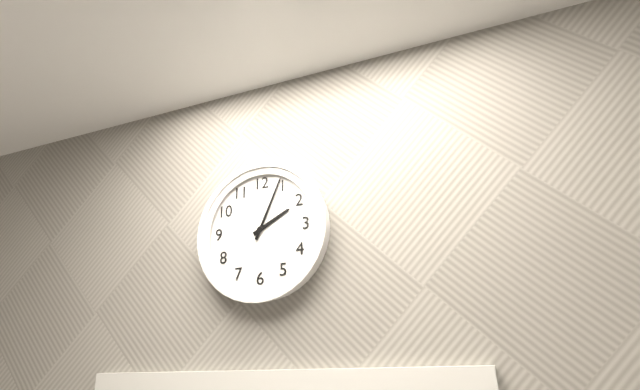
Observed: 2:04
